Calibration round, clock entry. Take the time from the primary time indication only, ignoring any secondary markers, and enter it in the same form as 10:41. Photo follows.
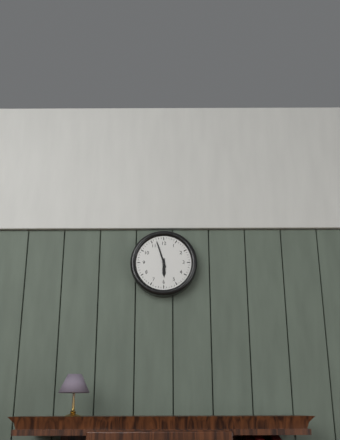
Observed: 5:57
